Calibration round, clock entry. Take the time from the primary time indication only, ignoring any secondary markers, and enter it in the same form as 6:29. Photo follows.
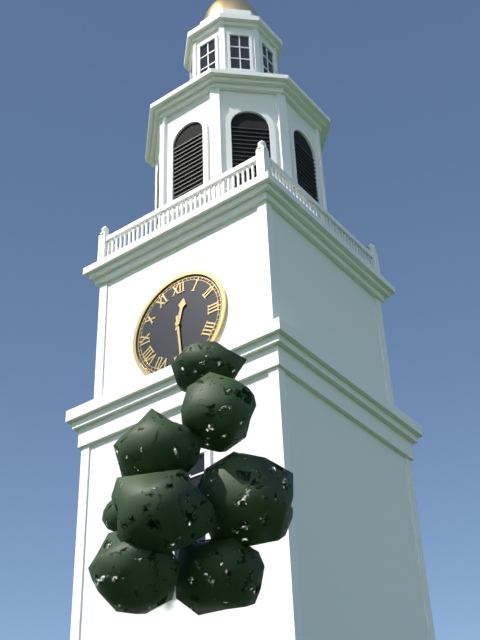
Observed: 12:29
